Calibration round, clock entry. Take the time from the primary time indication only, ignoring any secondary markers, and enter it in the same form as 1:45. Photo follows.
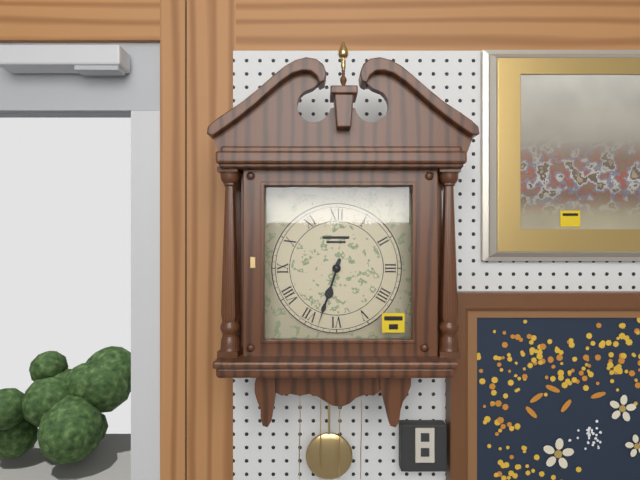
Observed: 6:33
